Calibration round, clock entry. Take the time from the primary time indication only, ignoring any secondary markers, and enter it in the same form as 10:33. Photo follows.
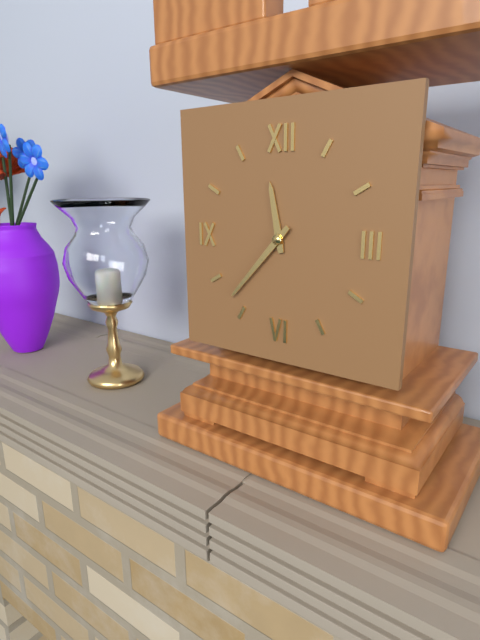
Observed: 11:37
